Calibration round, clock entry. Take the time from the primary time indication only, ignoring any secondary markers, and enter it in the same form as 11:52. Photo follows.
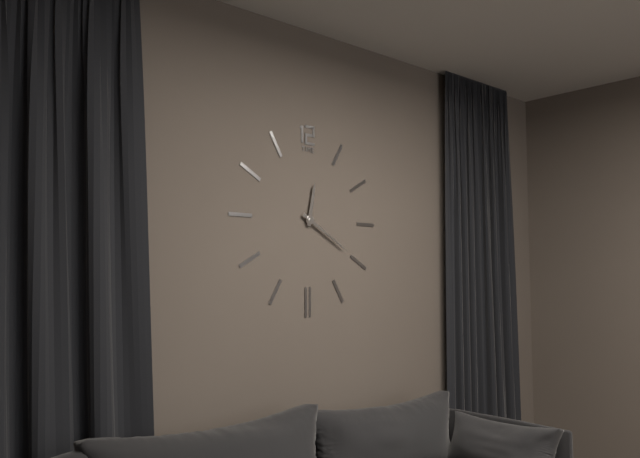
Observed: 12:20
